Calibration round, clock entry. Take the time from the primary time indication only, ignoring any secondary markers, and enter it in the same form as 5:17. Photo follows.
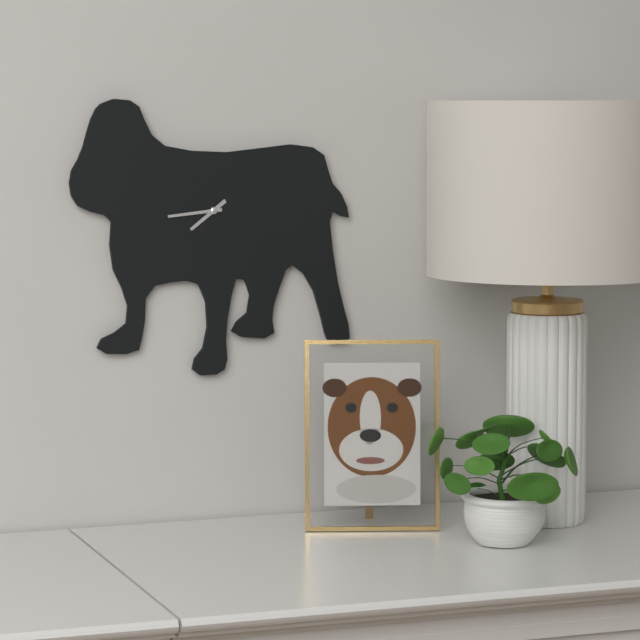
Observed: 7:44
